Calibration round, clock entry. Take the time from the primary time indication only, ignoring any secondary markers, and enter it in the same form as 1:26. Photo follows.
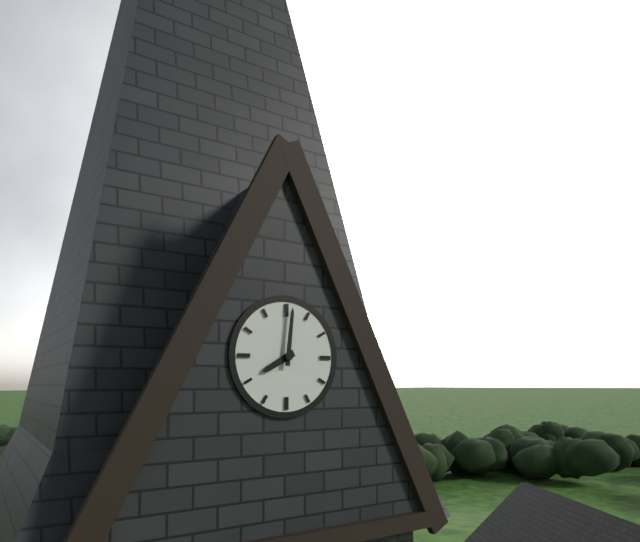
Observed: 8:01
